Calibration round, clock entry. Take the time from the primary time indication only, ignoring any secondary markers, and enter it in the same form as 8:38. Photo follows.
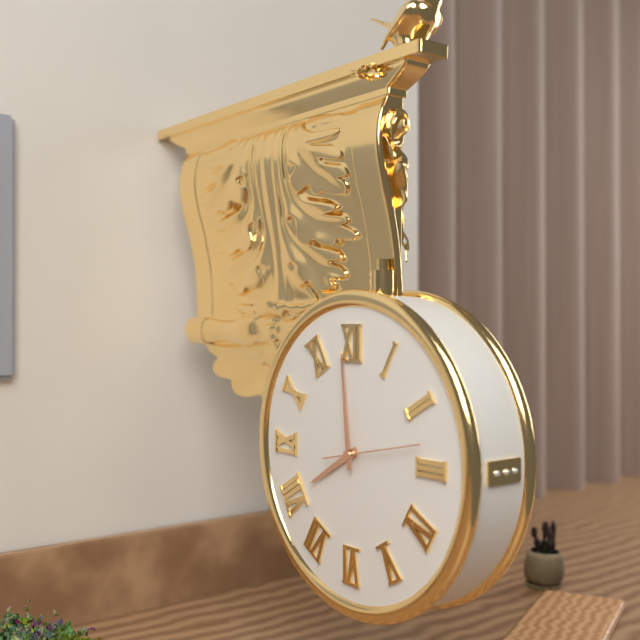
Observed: 7:59
